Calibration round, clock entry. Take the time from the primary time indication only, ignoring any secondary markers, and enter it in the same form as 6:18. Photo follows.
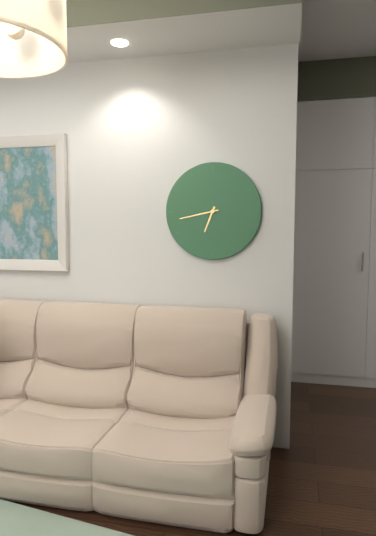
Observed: 6:43
